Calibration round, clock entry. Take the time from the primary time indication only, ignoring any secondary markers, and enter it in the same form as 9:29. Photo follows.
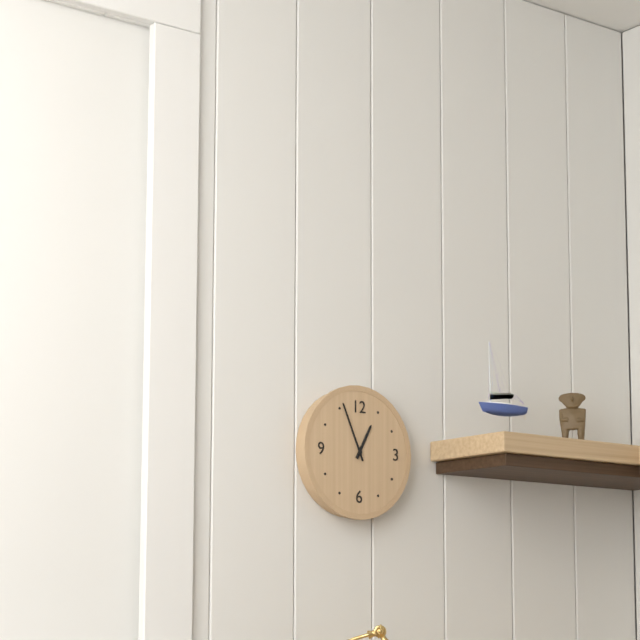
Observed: 12:56
